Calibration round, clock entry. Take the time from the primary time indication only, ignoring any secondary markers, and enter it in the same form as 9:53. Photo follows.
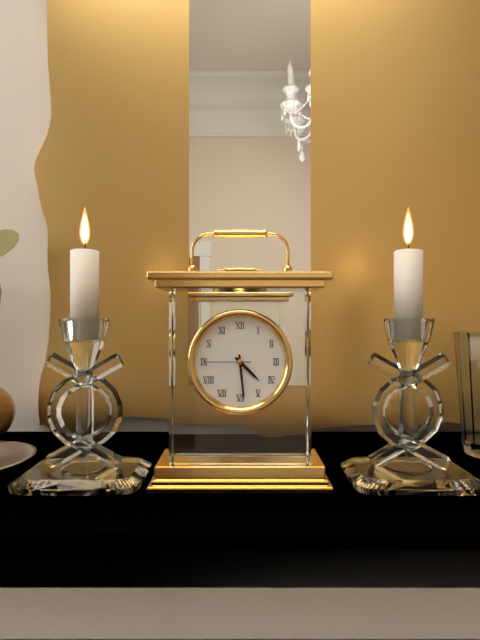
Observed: 4:29
